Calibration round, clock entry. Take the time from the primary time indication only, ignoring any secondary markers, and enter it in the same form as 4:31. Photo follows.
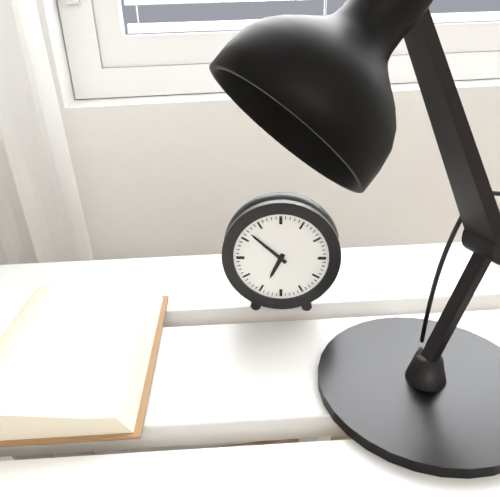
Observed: 6:52
